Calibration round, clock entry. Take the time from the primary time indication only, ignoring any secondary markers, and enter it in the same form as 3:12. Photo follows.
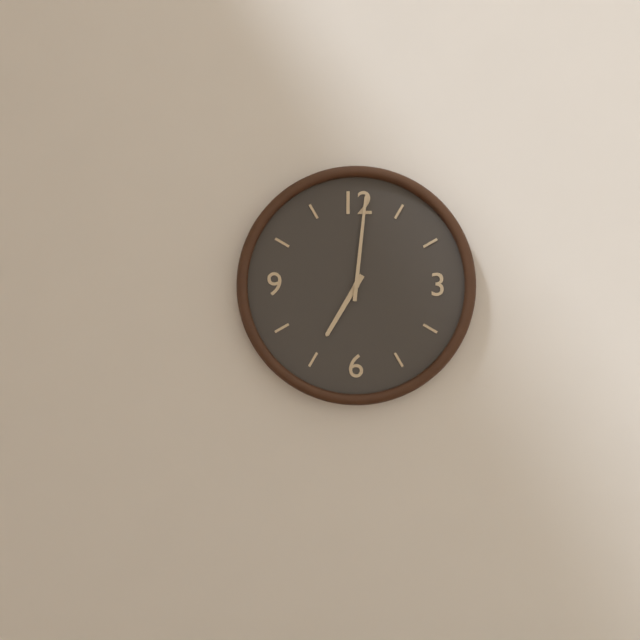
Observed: 7:01
